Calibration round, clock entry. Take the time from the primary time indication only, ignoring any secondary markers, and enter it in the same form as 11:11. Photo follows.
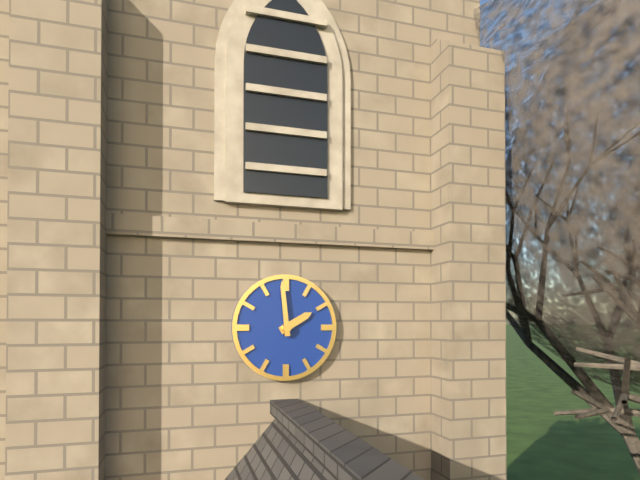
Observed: 1:59
